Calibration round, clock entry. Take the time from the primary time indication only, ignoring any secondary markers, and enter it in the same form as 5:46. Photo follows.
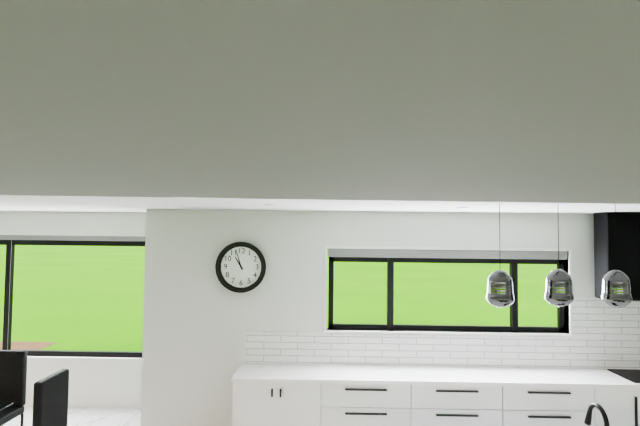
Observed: 10:57
